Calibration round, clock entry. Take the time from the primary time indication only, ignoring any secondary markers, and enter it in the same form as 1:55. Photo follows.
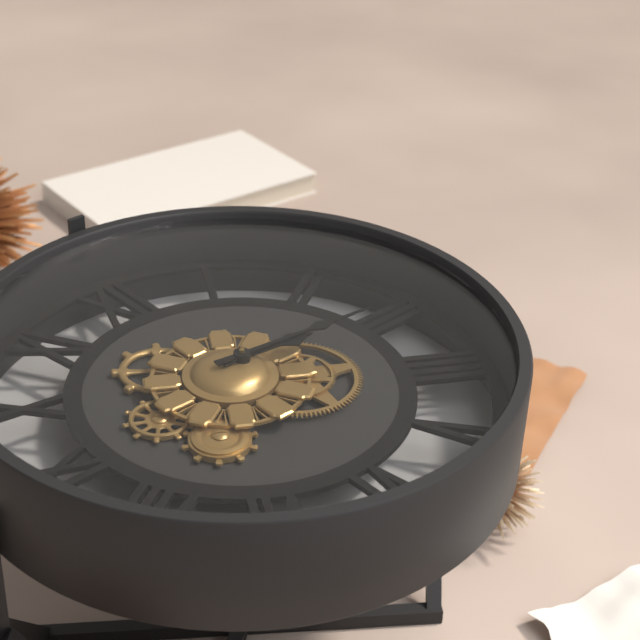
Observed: 3:16
